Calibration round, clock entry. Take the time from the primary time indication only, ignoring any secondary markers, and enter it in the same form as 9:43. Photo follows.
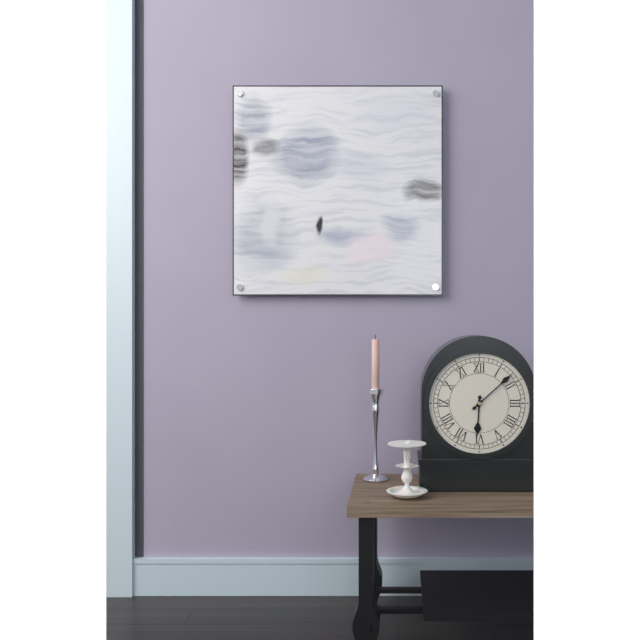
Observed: 6:08
